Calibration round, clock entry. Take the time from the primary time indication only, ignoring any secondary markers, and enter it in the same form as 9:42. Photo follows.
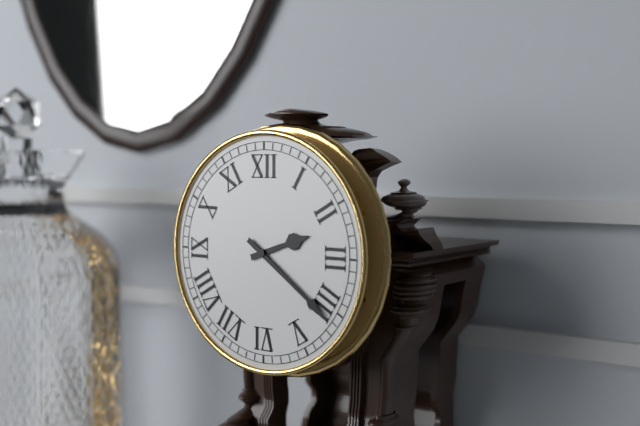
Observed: 2:21
